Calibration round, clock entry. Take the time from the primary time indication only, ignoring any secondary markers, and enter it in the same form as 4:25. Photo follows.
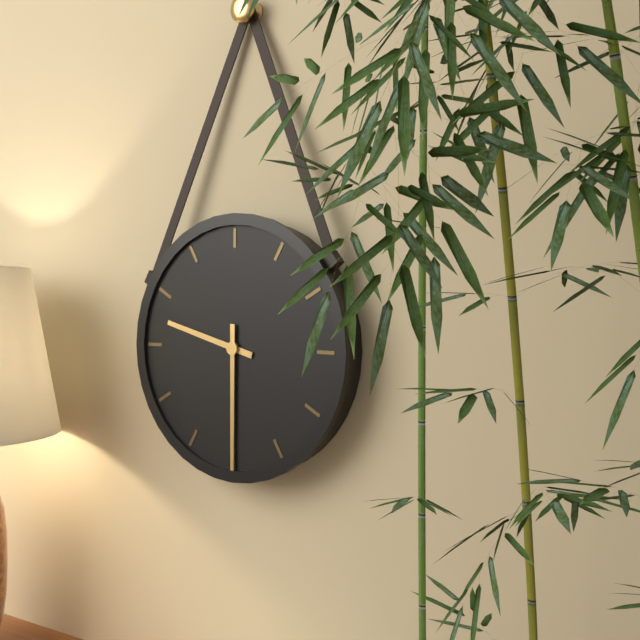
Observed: 9:30
